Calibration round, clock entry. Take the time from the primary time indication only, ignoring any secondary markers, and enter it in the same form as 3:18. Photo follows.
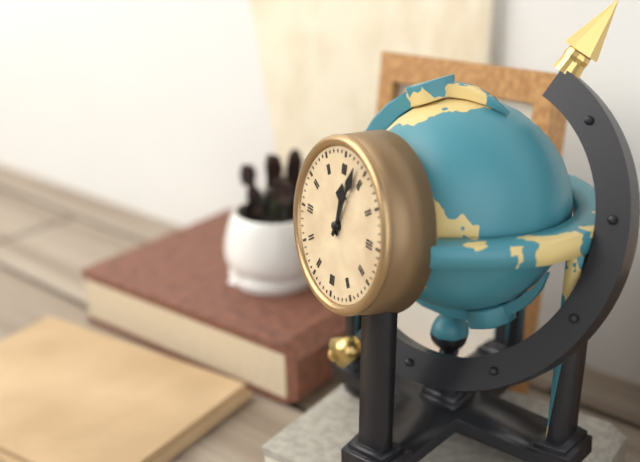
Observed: 12:03
